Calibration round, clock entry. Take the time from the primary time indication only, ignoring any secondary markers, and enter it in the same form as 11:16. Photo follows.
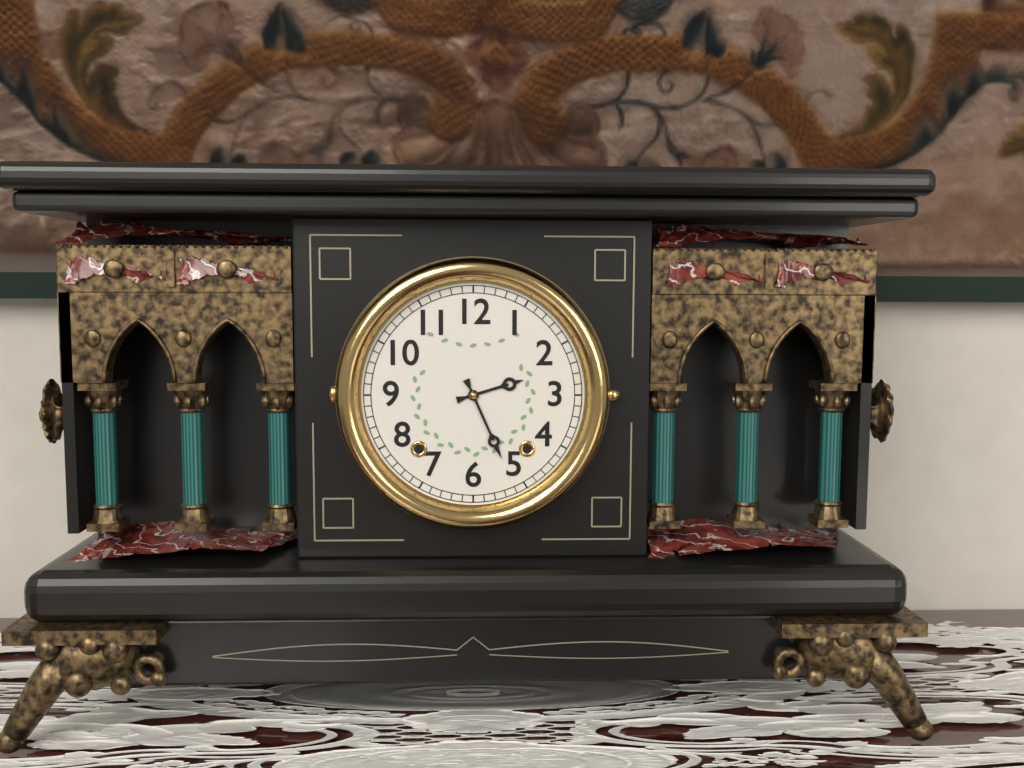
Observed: 2:26
